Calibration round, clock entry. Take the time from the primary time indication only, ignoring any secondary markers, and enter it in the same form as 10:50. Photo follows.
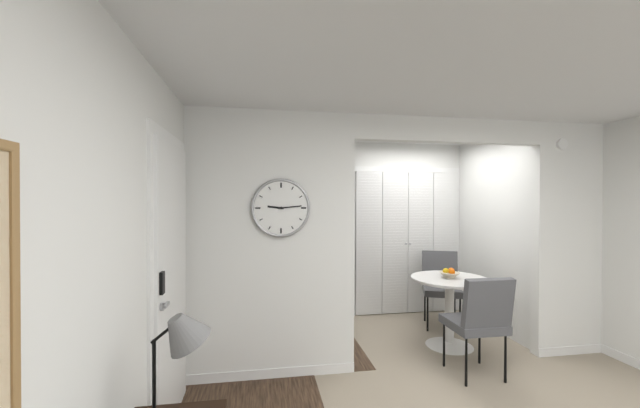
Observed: 9:14
